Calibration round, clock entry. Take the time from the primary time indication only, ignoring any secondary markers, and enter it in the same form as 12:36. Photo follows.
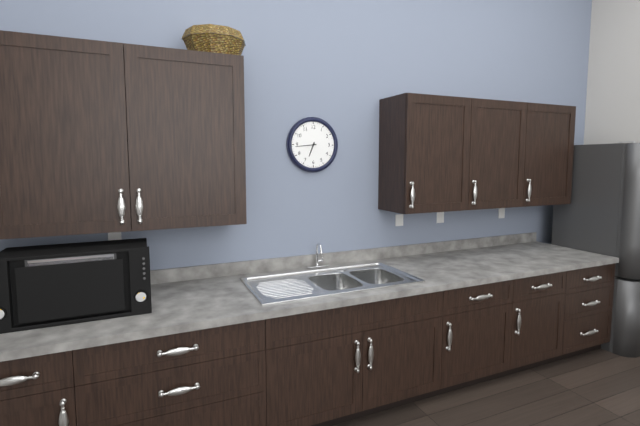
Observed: 6:44
